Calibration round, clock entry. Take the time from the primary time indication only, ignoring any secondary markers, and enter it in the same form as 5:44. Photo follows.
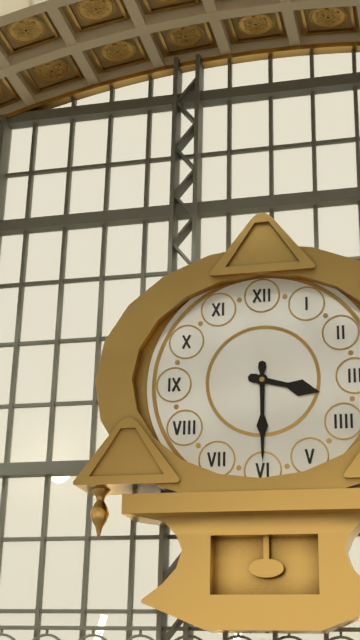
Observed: 3:30
